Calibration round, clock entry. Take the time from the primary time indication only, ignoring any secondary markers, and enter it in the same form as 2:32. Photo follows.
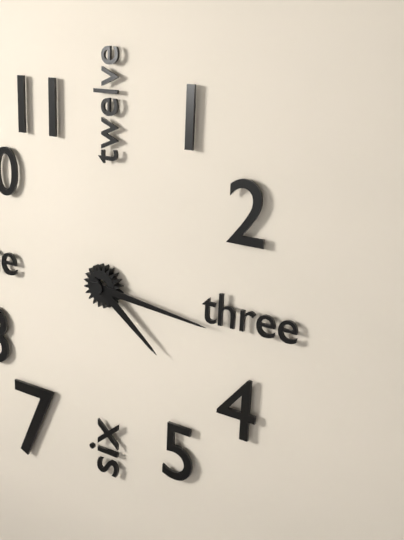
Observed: 4:16
